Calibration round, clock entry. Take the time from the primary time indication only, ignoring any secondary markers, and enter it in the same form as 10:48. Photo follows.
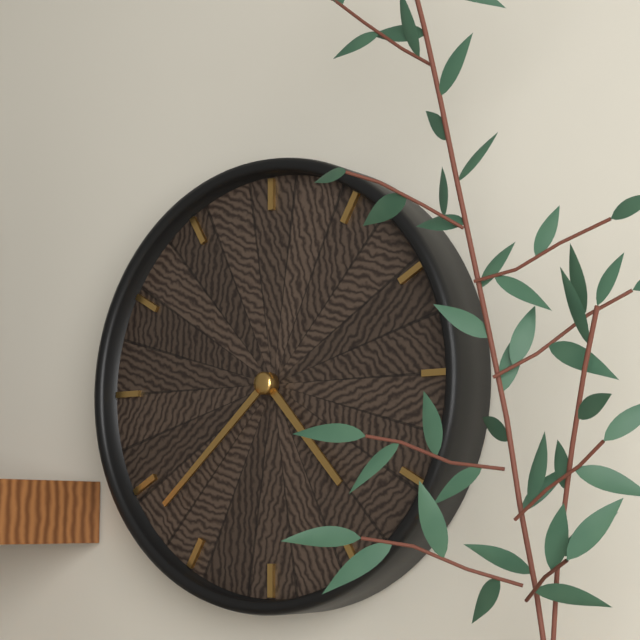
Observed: 4:38
